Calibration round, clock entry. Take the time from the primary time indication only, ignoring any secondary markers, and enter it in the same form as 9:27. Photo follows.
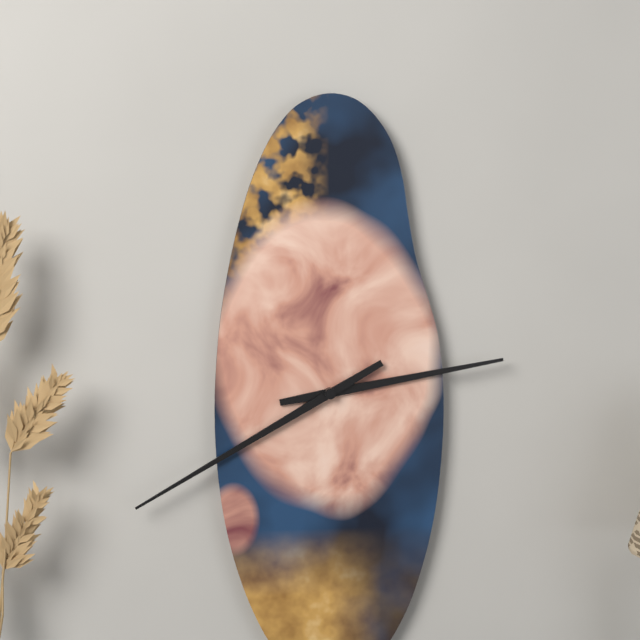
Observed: 2:40
